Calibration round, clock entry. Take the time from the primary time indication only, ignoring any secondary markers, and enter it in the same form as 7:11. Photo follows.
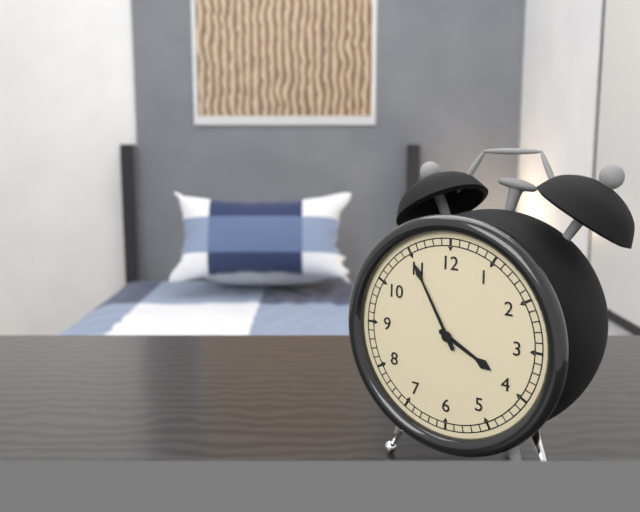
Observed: 3:55
